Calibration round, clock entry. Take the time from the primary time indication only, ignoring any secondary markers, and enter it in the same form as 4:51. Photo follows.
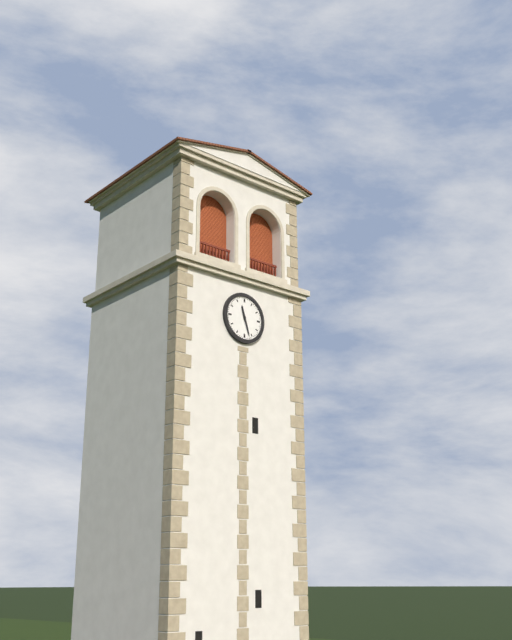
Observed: 11:27
